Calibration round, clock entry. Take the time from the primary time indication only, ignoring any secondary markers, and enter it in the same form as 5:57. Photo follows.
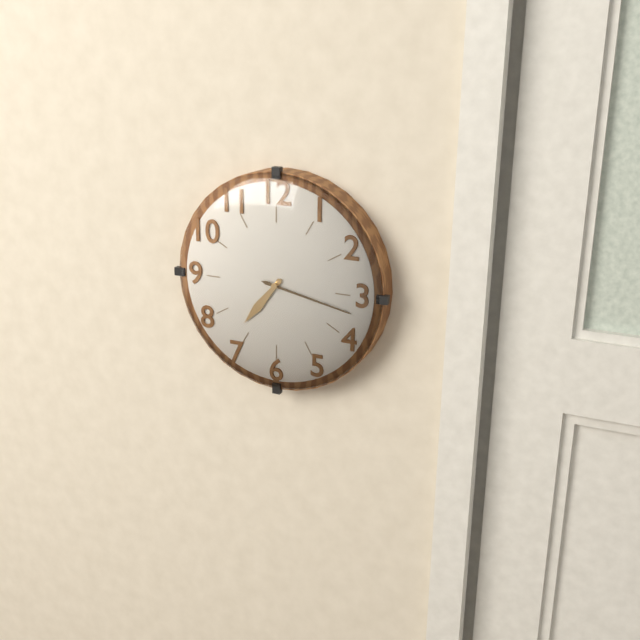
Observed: 7:17
